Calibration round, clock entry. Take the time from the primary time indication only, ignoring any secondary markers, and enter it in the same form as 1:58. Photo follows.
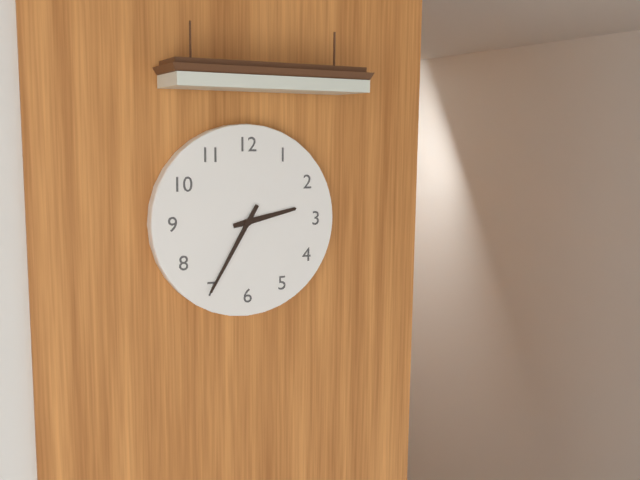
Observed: 2:35
